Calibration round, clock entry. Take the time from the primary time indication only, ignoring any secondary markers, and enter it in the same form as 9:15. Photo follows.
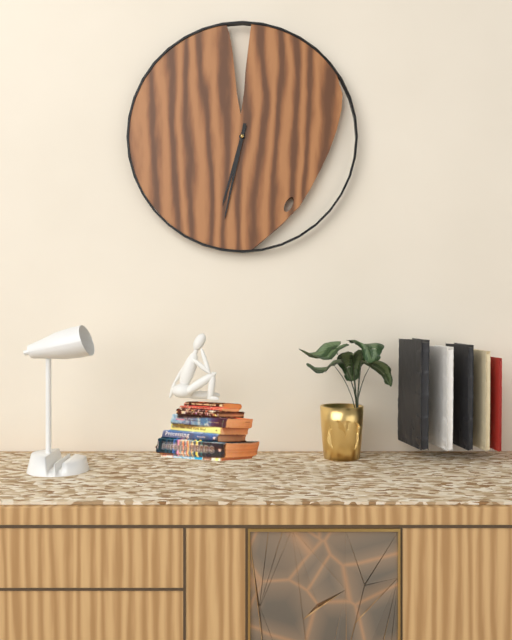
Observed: 6:32
